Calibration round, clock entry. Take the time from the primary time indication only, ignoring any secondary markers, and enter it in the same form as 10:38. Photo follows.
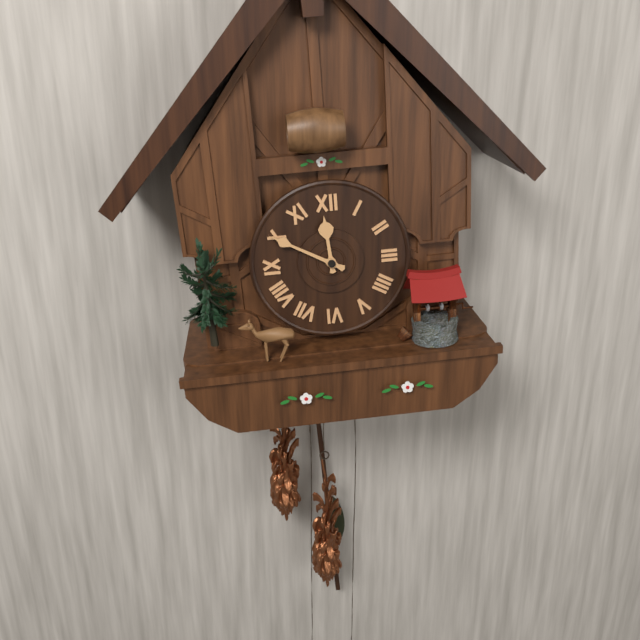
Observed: 11:50
